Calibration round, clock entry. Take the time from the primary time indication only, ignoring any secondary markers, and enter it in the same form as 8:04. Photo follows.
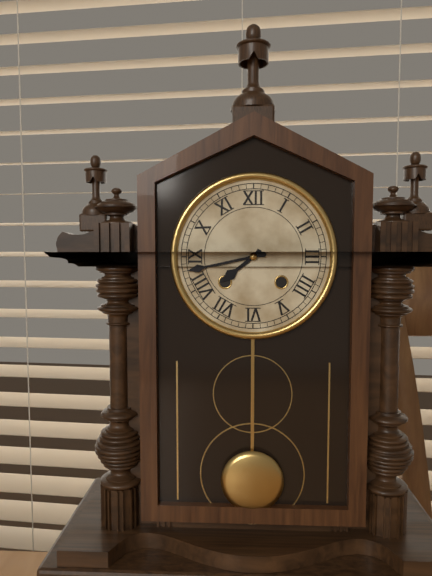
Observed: 7:43
